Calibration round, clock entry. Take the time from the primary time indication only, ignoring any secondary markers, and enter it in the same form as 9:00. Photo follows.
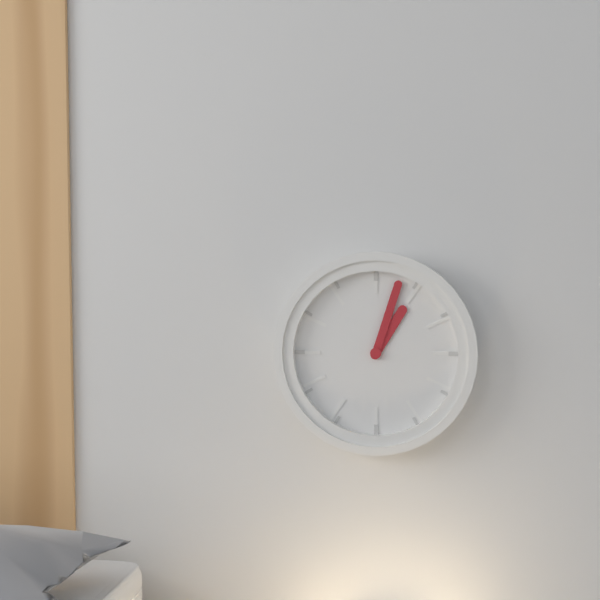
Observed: 1:03
